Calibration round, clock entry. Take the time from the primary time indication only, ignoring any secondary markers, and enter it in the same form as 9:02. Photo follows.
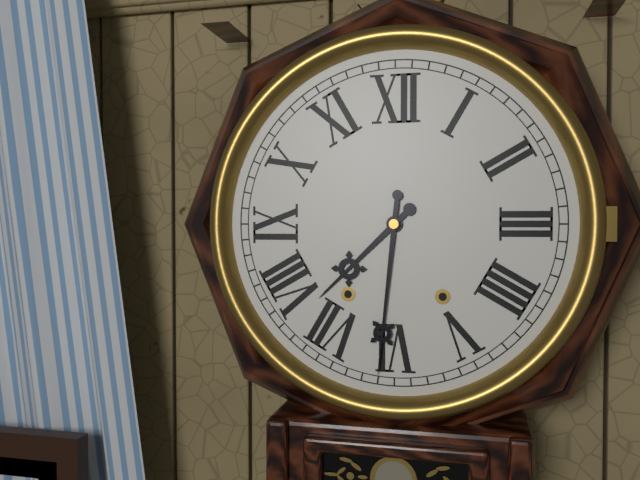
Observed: 7:31
